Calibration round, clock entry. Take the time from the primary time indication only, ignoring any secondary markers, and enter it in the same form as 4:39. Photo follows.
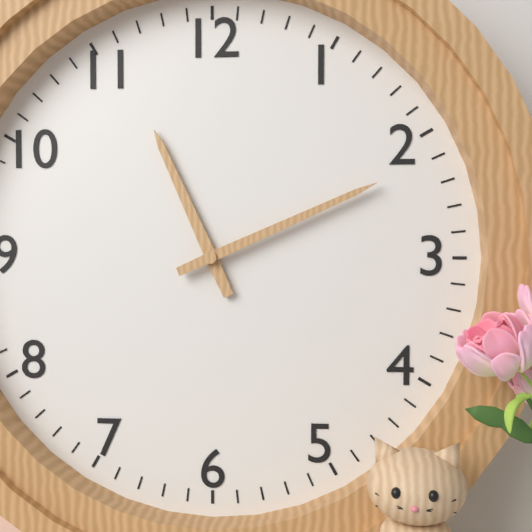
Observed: 11:11
